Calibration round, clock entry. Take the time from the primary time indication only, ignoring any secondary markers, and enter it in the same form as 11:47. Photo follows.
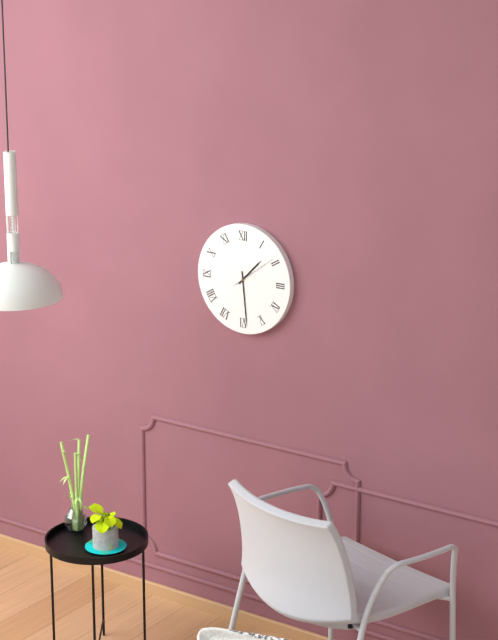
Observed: 1:29
